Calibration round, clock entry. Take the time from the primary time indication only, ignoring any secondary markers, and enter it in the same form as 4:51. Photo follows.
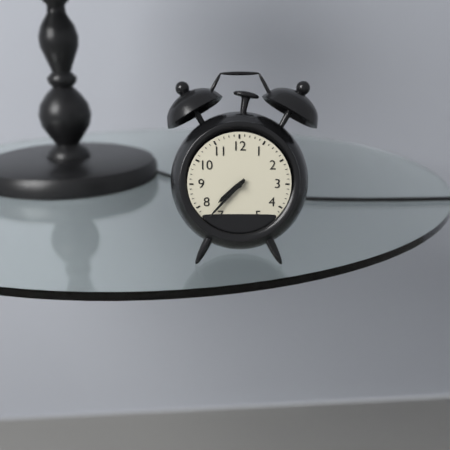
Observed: 7:37
